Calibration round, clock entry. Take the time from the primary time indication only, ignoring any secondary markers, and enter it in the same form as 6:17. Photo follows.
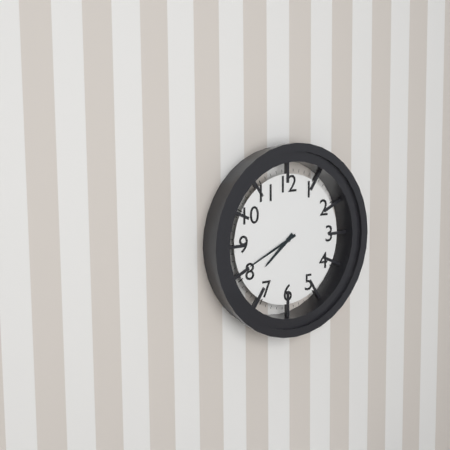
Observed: 7:41
